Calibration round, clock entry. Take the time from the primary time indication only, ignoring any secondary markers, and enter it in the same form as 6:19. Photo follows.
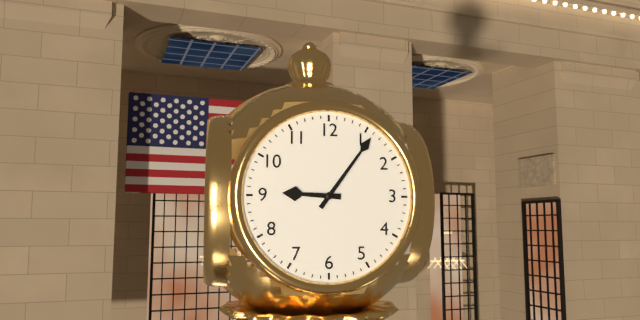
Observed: 9:06
